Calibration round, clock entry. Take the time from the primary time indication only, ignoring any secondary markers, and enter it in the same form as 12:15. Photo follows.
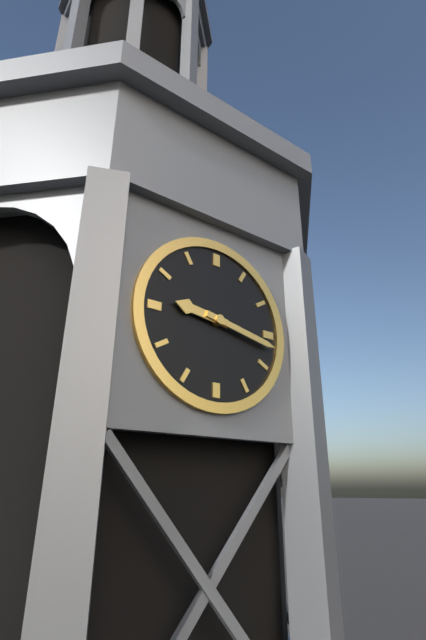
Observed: 9:17
